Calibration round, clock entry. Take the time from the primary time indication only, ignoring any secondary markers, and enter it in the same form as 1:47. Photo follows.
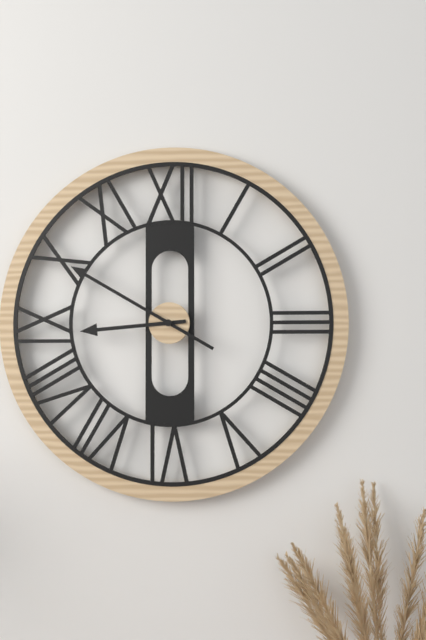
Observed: 8:50
